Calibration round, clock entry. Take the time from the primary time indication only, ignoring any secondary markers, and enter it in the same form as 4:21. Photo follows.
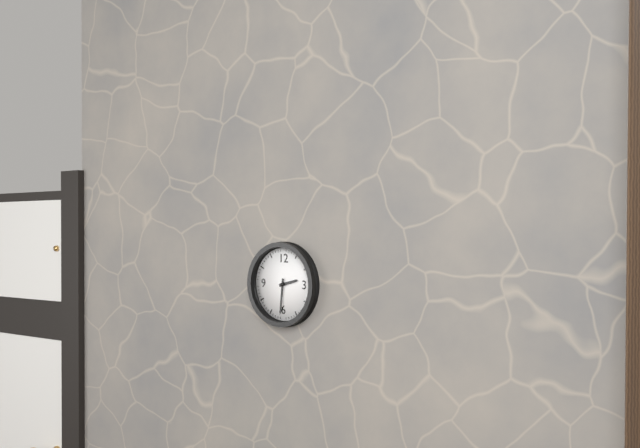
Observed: 2:31
